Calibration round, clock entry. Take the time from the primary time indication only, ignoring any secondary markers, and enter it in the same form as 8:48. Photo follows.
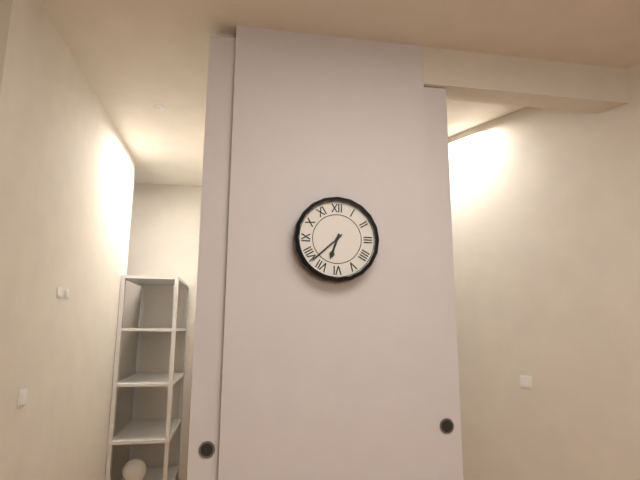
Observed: 6:38
